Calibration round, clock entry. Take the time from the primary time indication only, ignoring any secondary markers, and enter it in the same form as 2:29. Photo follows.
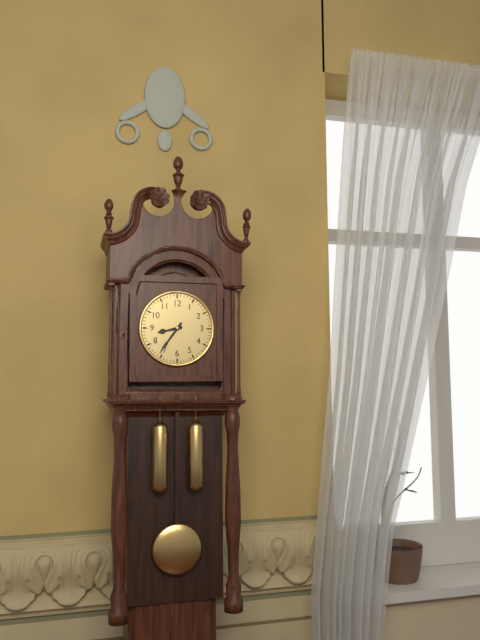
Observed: 8:36
